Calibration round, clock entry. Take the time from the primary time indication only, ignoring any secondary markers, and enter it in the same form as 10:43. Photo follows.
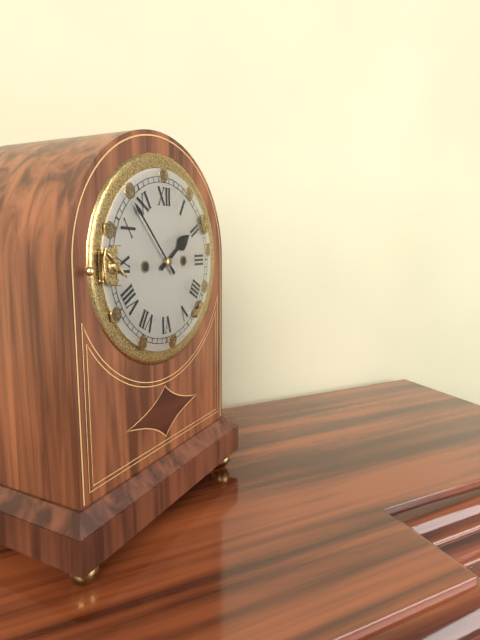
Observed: 1:53
